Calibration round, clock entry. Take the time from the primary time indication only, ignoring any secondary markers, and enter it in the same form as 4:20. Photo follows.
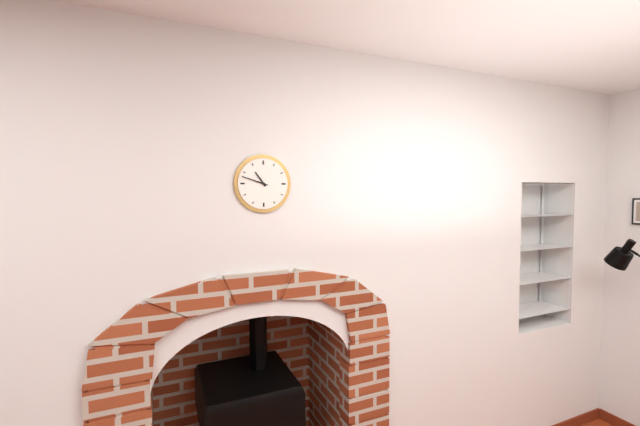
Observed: 10:48
